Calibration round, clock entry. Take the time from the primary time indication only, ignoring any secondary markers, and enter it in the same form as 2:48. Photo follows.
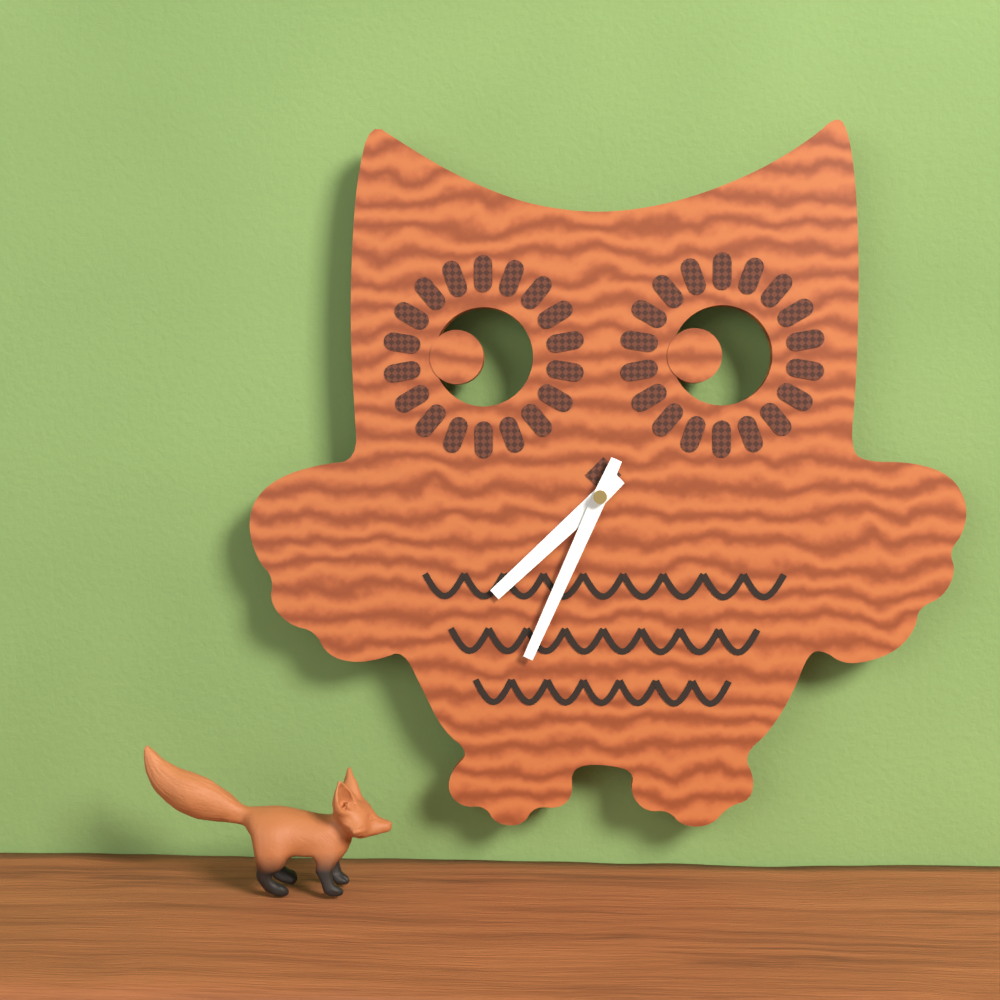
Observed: 7:34
